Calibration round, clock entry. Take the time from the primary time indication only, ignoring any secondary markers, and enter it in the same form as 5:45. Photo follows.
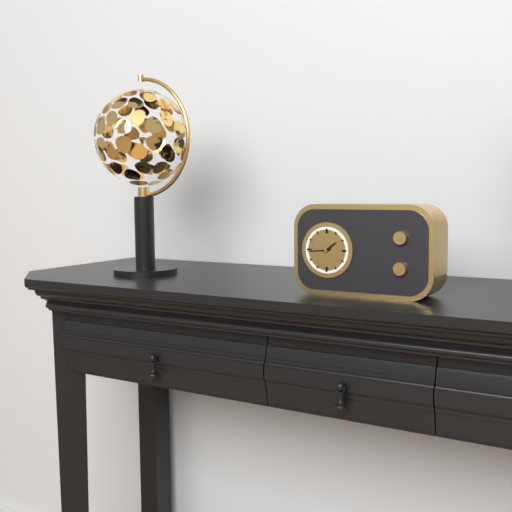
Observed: 1:44
